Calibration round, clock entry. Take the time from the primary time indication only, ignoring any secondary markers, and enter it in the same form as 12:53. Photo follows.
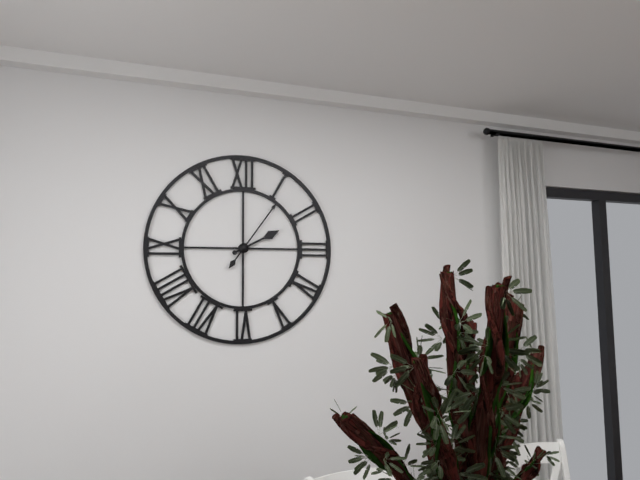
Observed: 2:06
